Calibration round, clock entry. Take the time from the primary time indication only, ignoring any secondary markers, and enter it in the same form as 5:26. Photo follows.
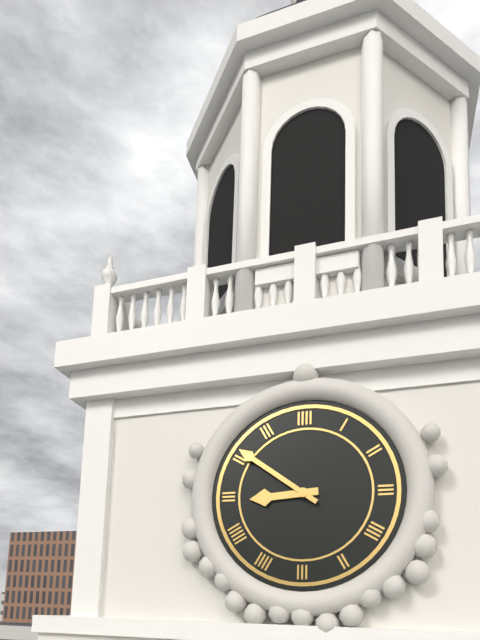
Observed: 8:51
